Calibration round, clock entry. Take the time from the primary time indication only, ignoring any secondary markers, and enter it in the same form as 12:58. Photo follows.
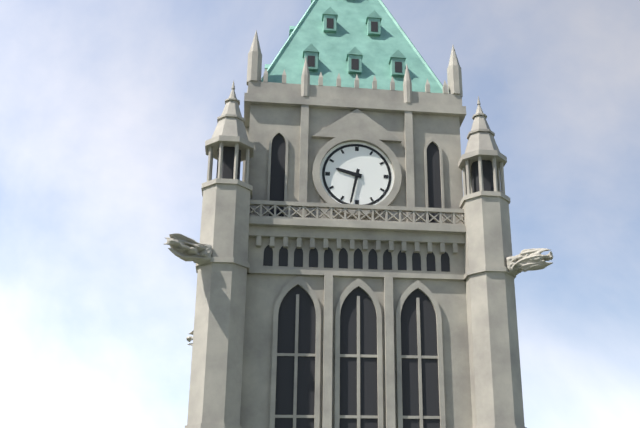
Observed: 9:32
